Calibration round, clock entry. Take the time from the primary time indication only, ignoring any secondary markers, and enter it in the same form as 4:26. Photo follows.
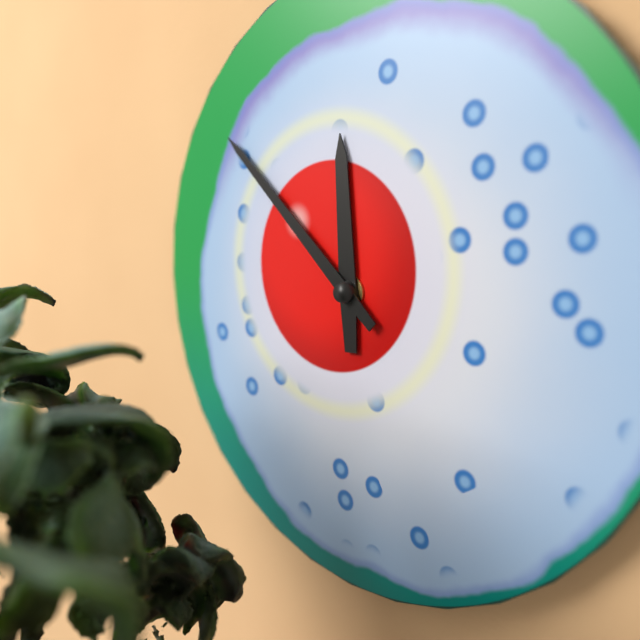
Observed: 11:52
